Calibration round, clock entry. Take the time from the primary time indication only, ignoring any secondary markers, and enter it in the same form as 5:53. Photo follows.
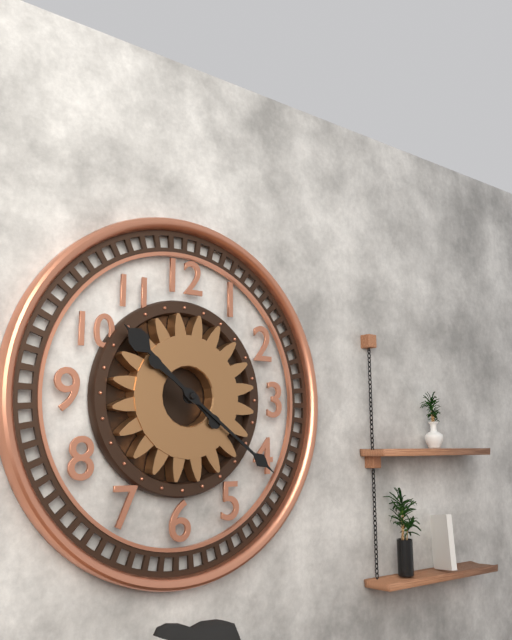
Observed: 10:21
